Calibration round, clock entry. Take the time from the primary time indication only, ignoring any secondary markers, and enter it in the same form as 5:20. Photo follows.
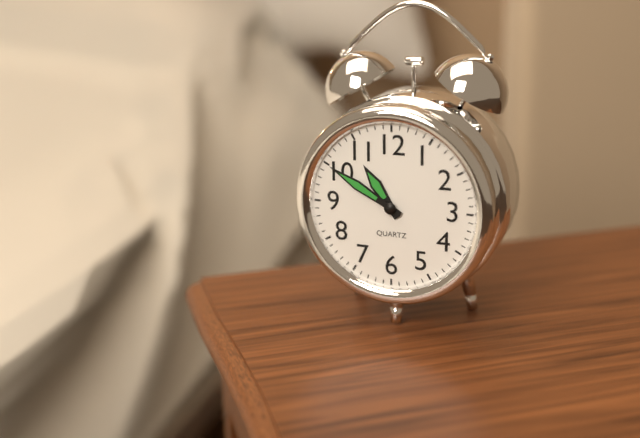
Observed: 10:50
